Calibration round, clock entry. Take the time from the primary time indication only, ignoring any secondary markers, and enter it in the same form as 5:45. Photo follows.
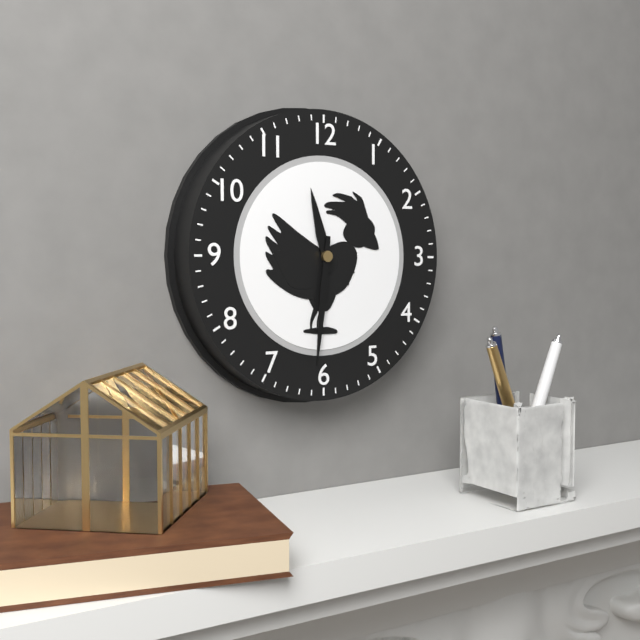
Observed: 11:31
